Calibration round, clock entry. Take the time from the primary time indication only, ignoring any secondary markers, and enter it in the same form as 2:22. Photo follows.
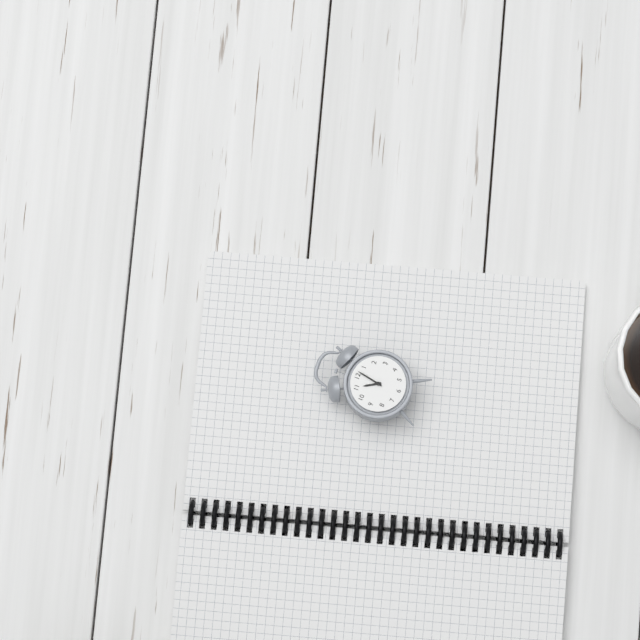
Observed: 11:02
